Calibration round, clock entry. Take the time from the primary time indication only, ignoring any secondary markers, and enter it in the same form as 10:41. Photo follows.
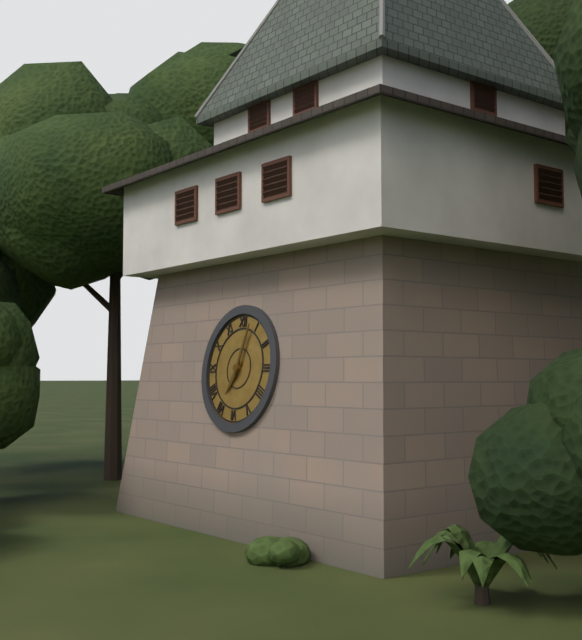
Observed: 7:03
